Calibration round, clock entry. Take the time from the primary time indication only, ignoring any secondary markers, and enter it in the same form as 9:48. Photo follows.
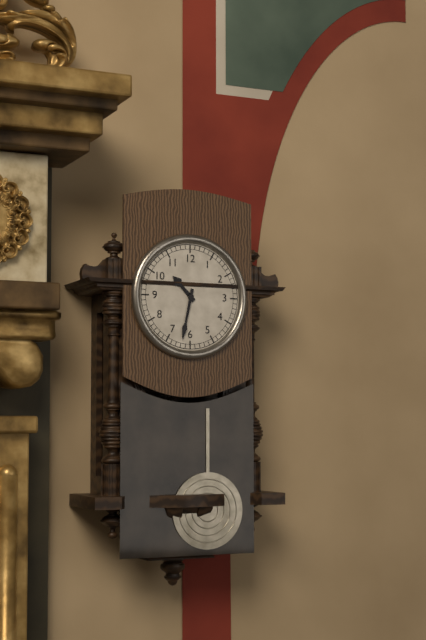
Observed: 10:32
